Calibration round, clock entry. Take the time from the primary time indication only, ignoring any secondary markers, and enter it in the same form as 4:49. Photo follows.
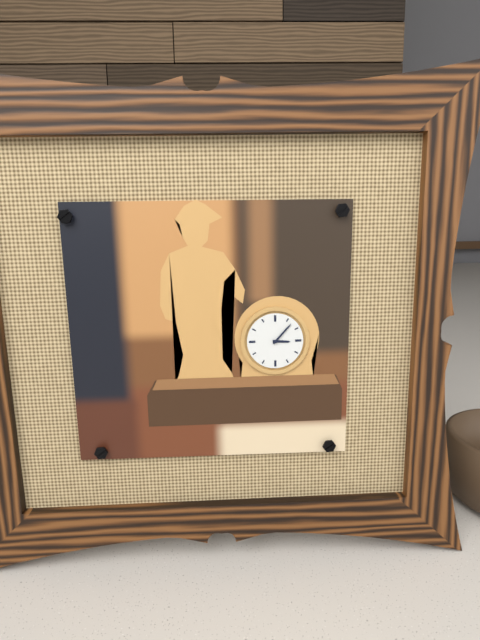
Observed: 3:07
